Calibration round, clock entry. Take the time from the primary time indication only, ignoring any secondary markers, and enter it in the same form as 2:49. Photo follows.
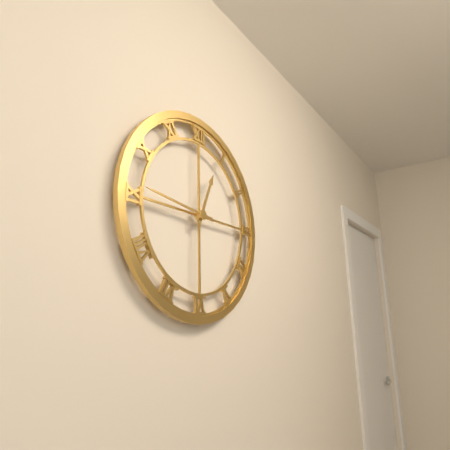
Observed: 12:46
